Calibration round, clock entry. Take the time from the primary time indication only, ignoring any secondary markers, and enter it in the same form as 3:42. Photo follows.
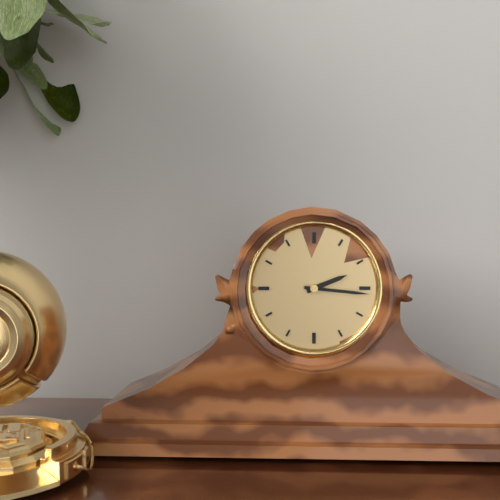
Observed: 2:16
